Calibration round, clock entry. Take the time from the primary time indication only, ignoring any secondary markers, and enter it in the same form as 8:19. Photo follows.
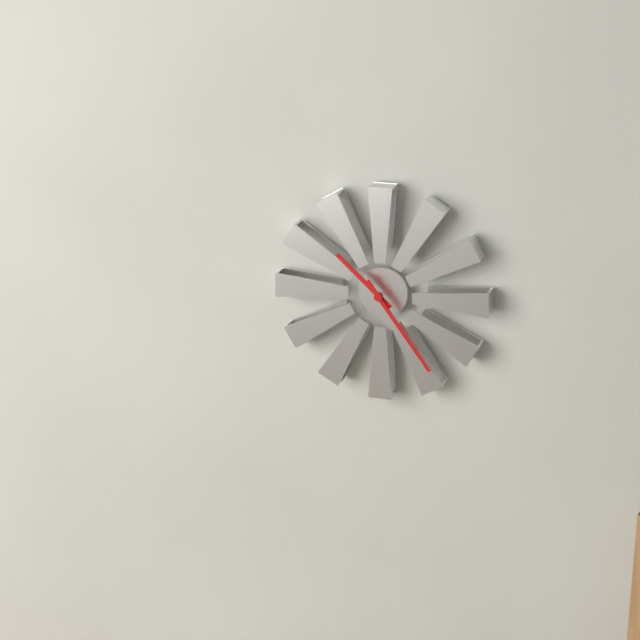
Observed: 10:24
